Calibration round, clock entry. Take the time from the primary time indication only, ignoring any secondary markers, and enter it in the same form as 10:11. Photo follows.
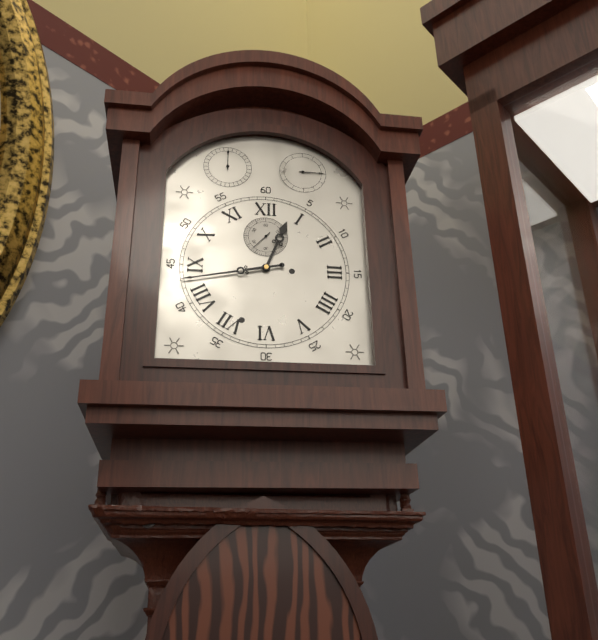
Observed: 12:43
